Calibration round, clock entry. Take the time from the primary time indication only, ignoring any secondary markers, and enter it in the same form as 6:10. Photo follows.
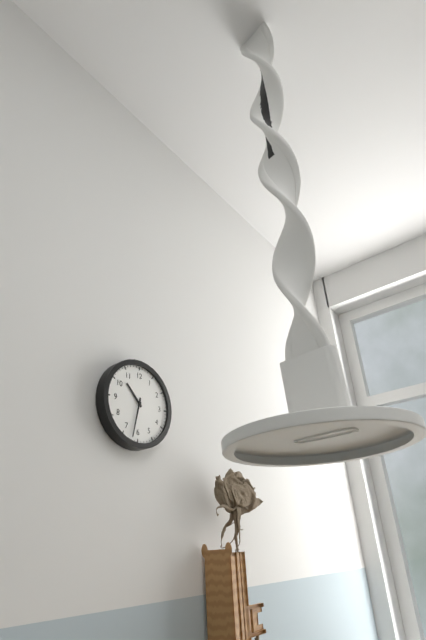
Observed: 10:32
